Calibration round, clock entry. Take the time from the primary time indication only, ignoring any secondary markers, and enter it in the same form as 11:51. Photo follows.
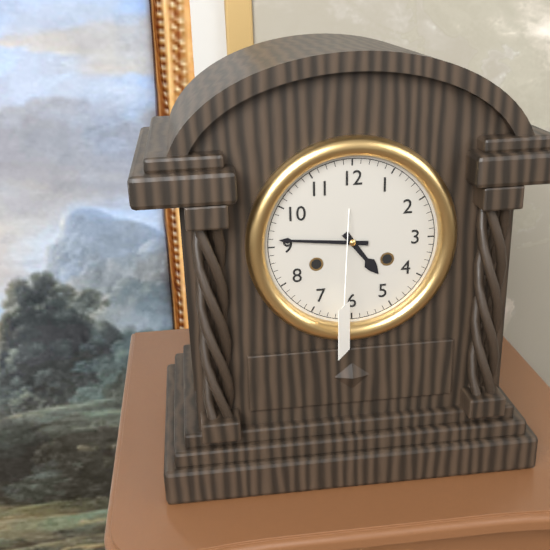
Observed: 4:46
